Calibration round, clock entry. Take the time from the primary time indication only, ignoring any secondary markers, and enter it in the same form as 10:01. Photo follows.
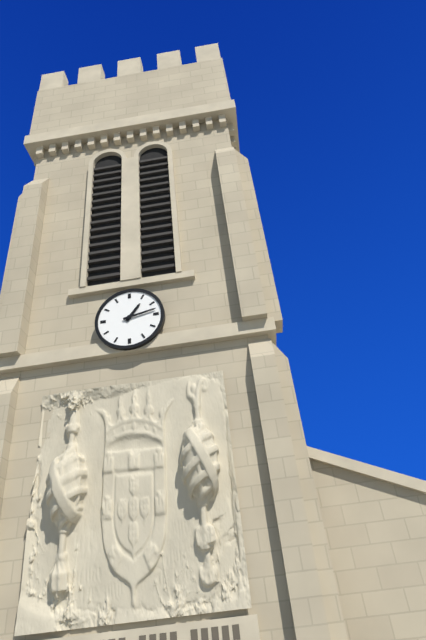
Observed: 1:13
